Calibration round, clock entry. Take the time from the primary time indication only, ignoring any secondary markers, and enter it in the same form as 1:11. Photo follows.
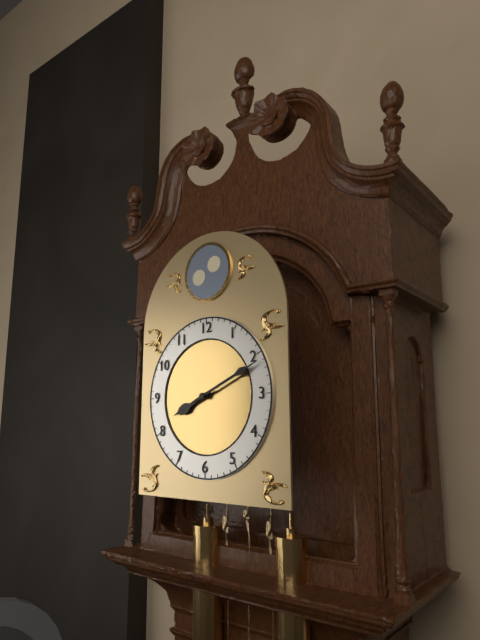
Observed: 8:11
